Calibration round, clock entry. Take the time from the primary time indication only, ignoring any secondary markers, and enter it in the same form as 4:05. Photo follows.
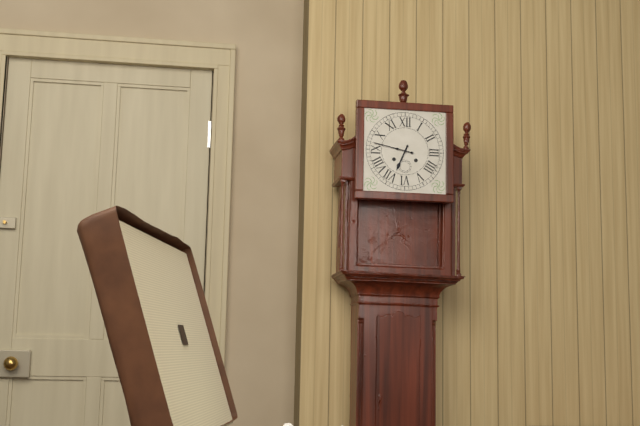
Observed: 6:47
